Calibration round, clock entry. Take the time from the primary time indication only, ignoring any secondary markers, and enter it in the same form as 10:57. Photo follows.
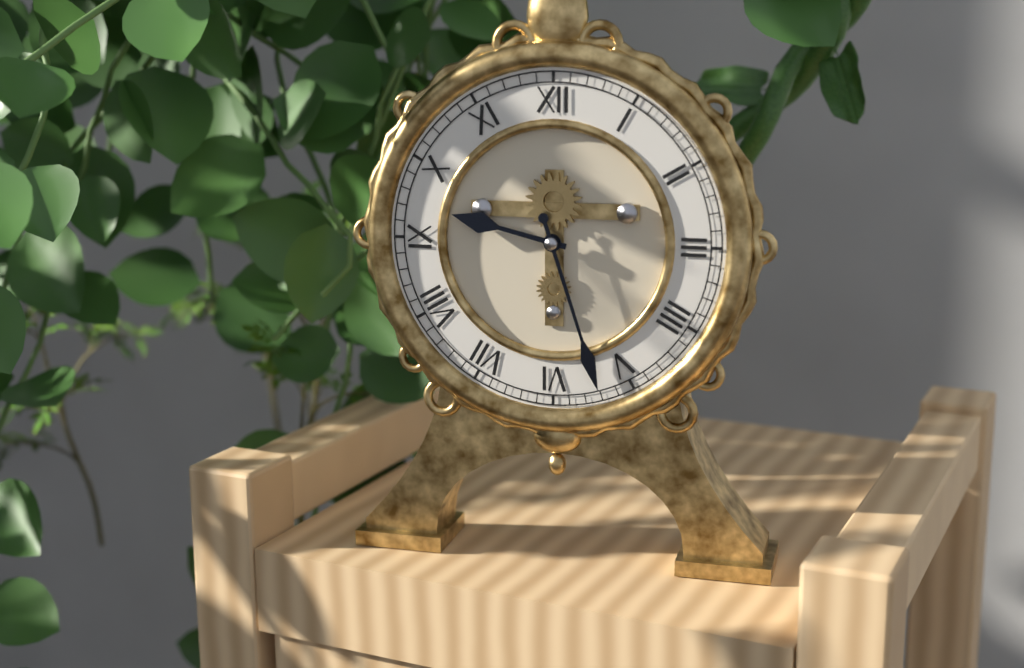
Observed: 9:27
